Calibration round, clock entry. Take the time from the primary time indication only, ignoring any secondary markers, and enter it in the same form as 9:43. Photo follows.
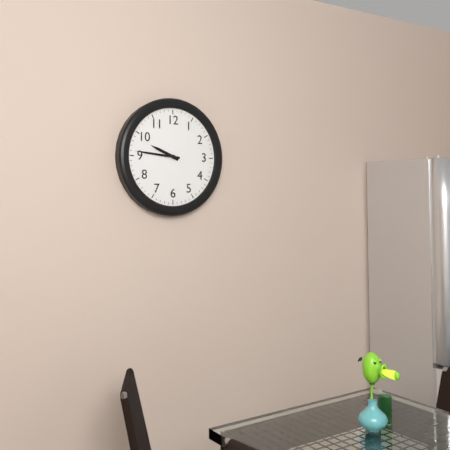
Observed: 9:46
